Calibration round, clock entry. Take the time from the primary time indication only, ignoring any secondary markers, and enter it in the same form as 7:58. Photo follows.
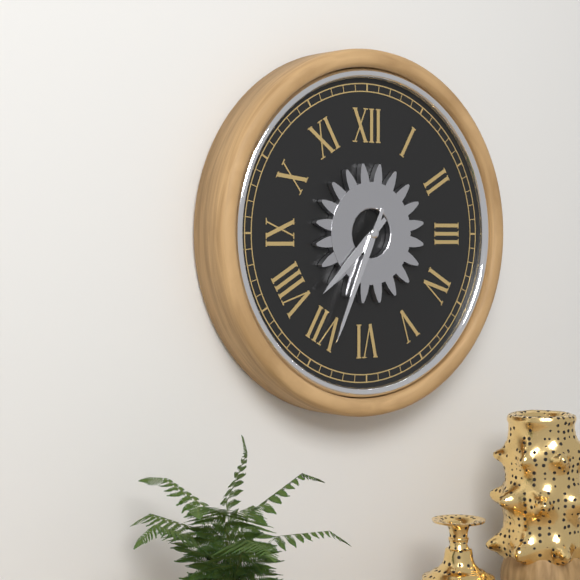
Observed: 7:34
